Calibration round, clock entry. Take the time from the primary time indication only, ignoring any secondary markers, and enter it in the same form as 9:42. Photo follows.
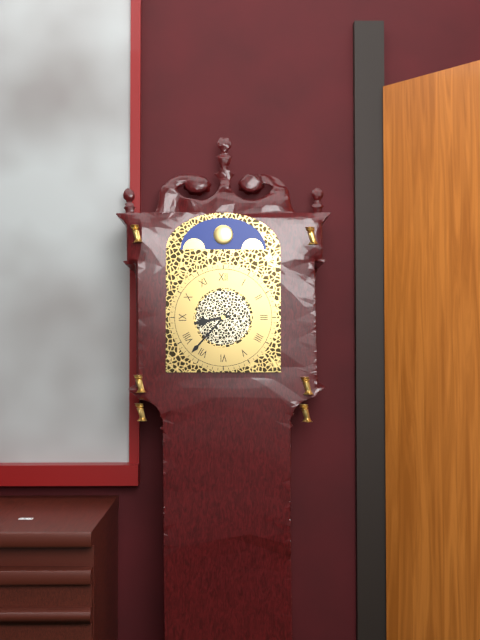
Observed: 8:37
